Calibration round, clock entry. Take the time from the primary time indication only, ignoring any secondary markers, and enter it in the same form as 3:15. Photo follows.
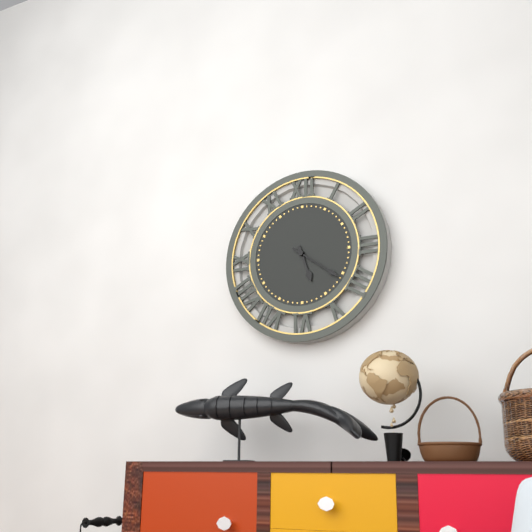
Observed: 5:21
